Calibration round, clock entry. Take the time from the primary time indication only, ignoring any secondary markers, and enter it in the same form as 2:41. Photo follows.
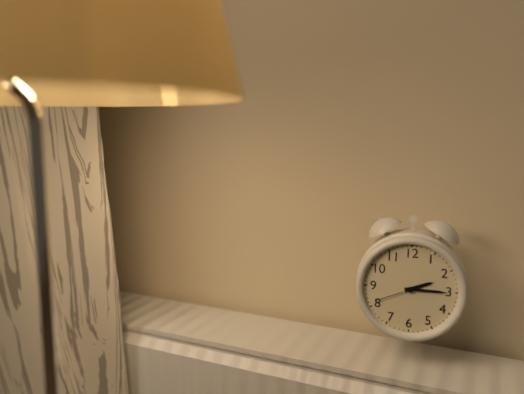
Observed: 2:15
